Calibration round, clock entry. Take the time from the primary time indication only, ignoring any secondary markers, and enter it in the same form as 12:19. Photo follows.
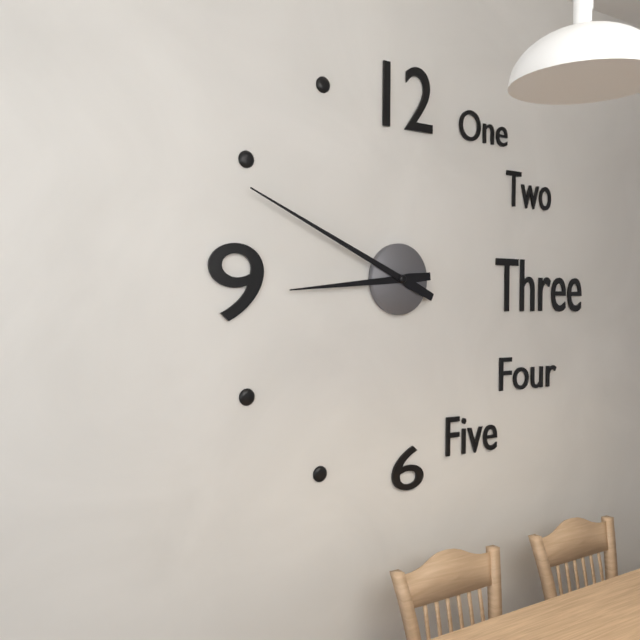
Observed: 8:49
